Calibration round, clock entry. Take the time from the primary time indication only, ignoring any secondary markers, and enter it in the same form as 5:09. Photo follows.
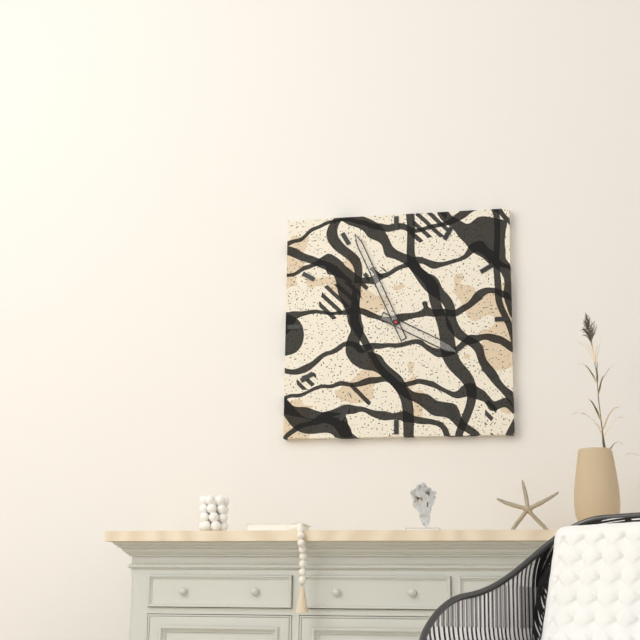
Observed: 3:56
